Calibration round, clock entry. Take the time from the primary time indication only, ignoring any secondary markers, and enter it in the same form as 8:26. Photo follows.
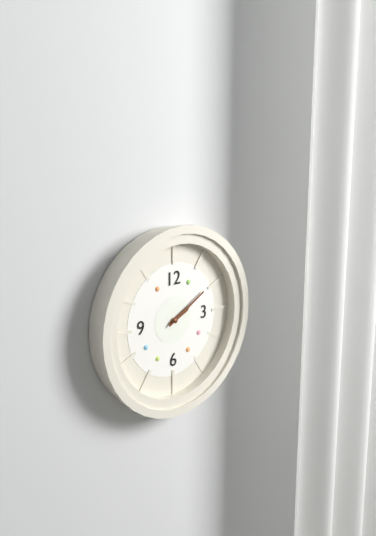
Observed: 2:10
